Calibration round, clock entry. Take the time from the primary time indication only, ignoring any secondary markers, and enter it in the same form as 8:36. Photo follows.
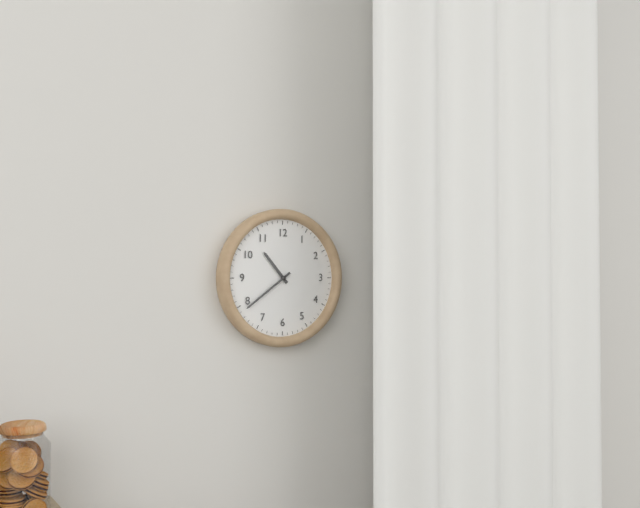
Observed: 10:39
